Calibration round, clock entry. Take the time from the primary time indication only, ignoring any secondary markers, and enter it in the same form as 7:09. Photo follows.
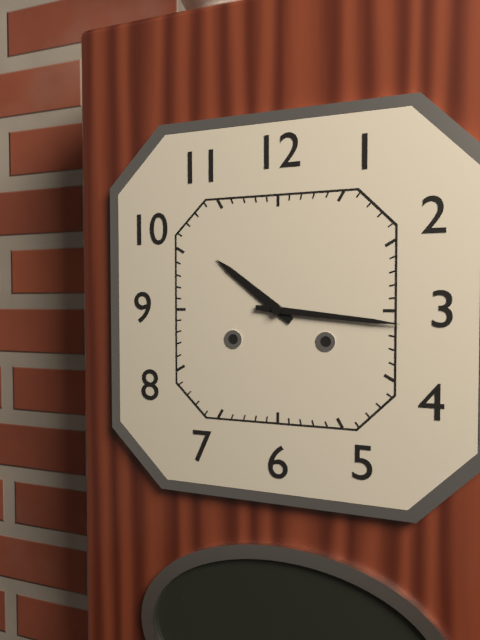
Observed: 10:16
